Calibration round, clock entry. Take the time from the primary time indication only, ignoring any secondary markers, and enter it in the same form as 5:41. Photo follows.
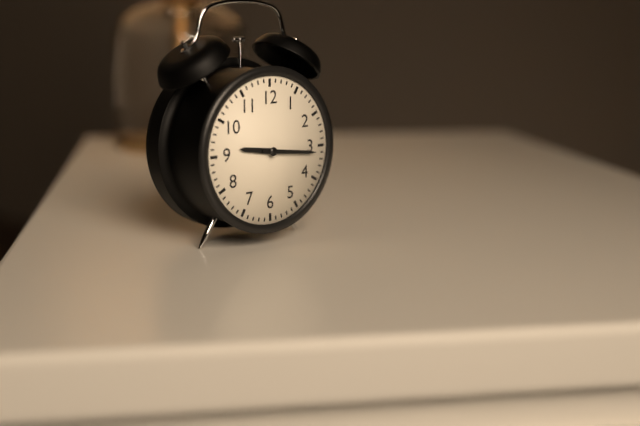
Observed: 9:16
